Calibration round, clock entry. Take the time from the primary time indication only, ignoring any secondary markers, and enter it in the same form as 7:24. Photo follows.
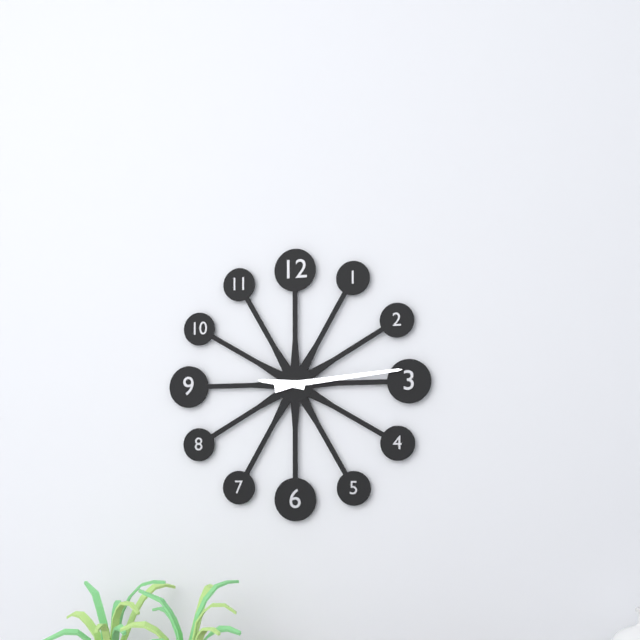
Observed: 9:14
